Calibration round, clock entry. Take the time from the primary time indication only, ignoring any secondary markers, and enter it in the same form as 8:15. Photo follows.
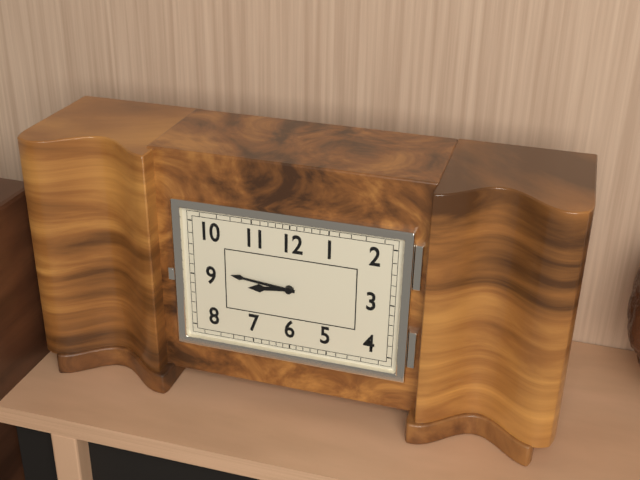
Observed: 8:46
